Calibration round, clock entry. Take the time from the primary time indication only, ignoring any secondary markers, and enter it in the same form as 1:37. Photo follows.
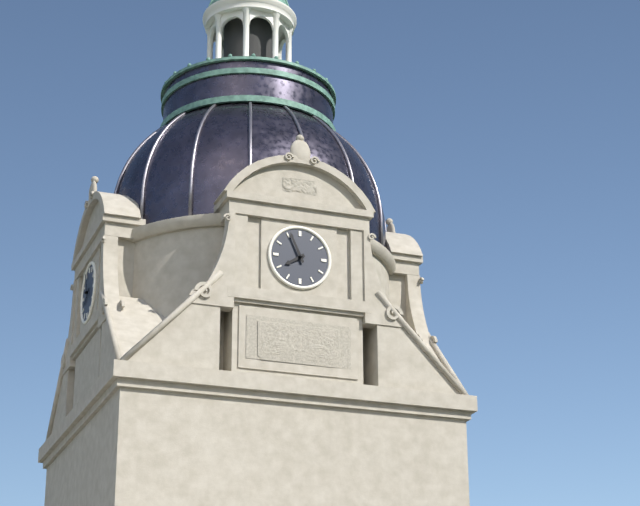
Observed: 7:56
